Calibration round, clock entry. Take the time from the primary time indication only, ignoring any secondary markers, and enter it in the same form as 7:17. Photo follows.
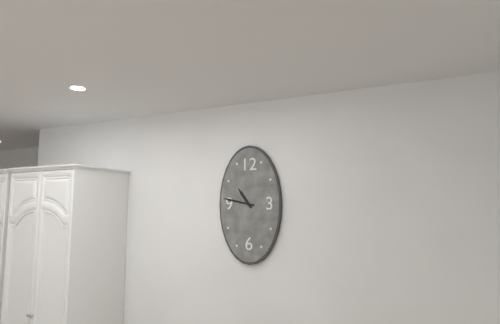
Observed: 10:47
